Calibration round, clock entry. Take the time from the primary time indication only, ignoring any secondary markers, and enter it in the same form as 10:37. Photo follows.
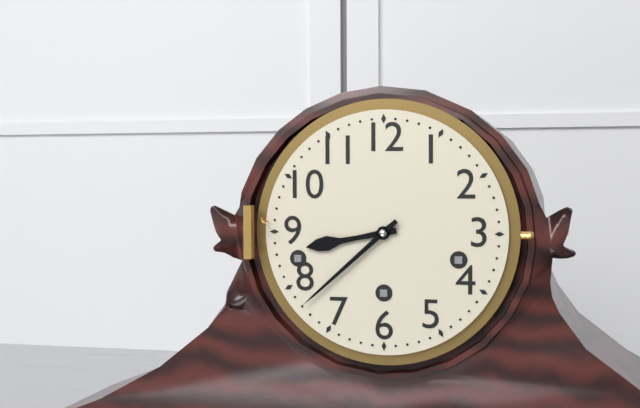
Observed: 8:38
